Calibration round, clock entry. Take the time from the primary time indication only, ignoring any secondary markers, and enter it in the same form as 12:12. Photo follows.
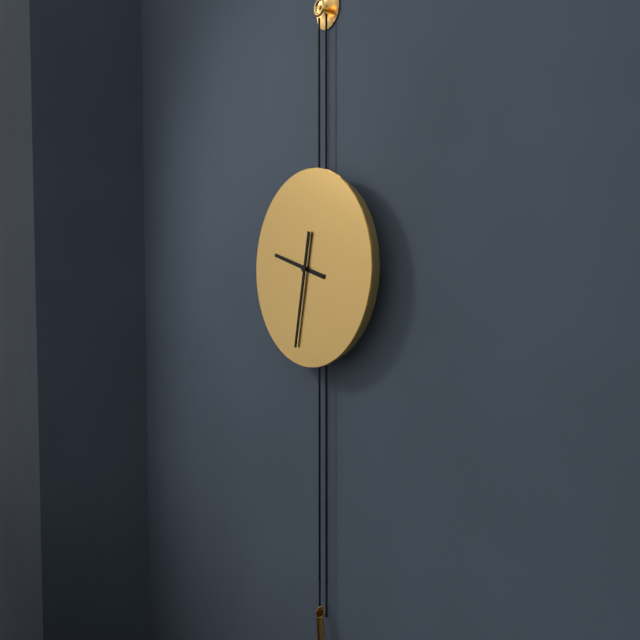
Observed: 9:32
